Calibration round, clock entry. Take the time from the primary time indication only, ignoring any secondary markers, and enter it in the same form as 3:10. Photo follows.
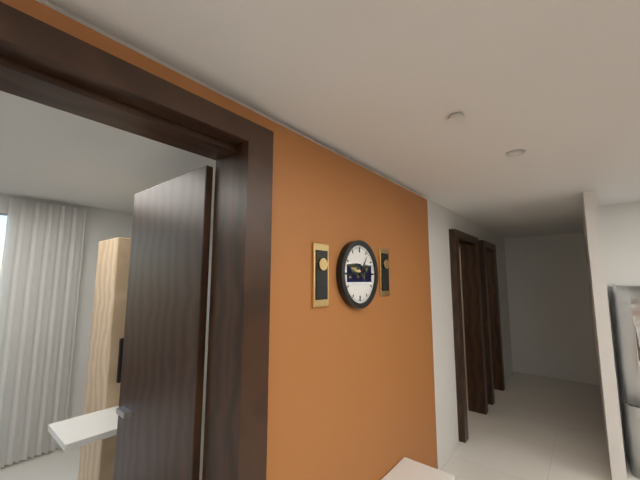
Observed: 9:06
